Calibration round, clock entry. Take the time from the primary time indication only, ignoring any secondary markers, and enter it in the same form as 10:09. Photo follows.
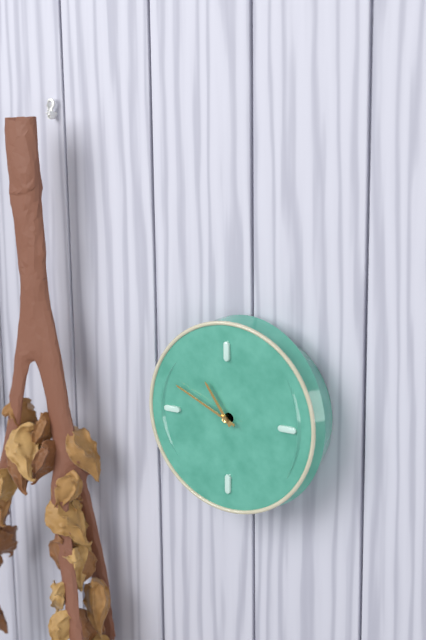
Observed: 10:49
